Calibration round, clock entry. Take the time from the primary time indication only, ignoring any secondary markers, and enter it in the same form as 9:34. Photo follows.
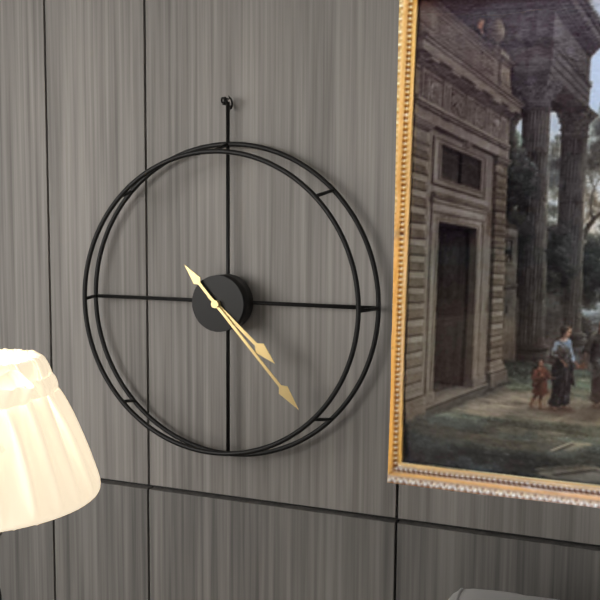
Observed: 4:23
